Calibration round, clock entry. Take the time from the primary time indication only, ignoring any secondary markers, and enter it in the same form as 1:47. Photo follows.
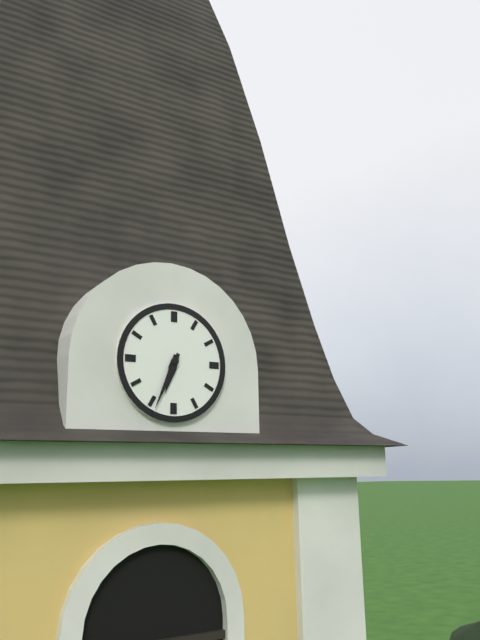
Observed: 6:34
